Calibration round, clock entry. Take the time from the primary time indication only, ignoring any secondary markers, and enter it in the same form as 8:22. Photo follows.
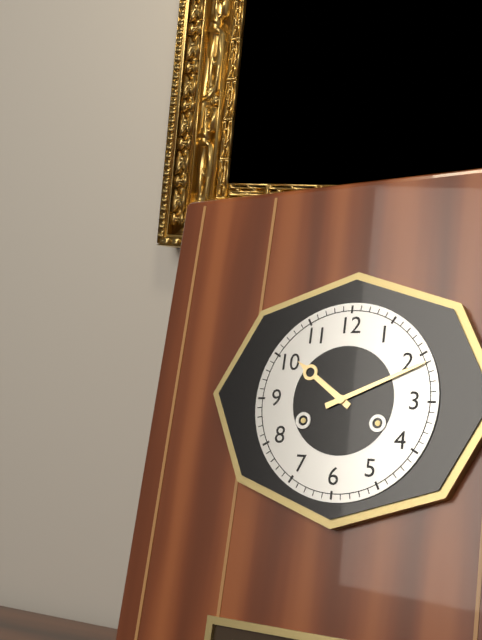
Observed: 10:11
